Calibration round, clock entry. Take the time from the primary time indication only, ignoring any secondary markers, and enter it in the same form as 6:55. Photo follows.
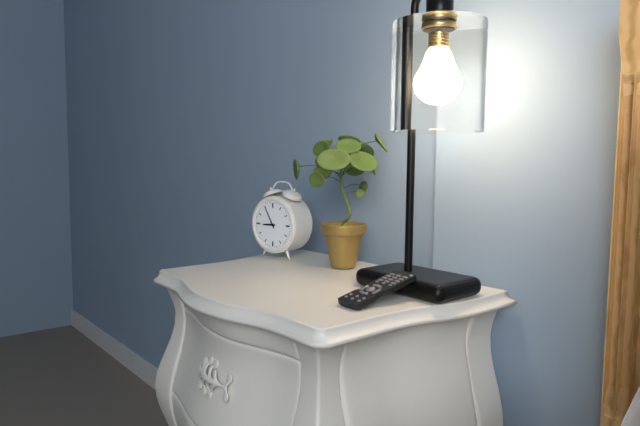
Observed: 8:55
